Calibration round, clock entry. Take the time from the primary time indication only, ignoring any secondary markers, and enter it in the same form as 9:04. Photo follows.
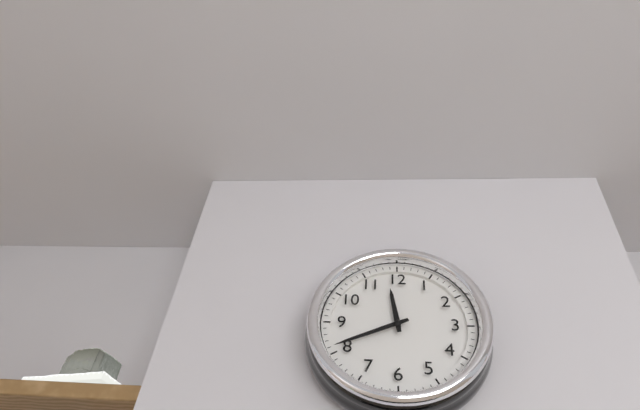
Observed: 11:41
